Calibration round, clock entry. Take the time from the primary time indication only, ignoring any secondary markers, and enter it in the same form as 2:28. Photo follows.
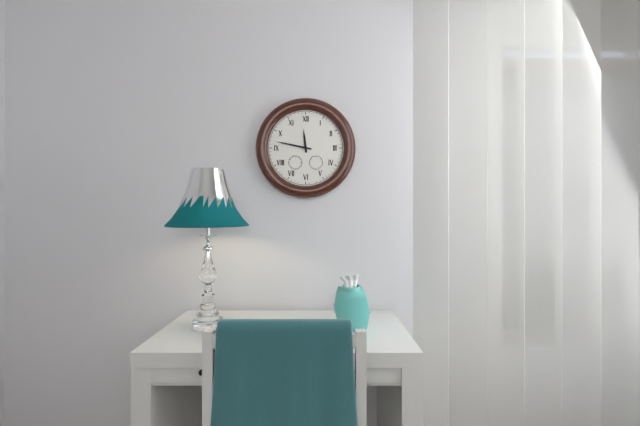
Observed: 11:47
